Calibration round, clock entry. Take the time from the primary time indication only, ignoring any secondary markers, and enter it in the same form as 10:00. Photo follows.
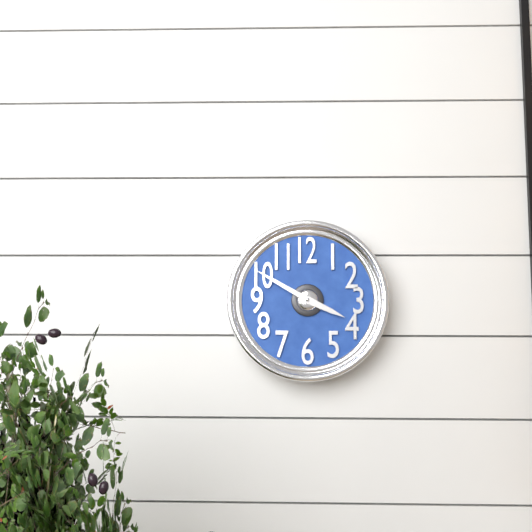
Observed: 3:50
